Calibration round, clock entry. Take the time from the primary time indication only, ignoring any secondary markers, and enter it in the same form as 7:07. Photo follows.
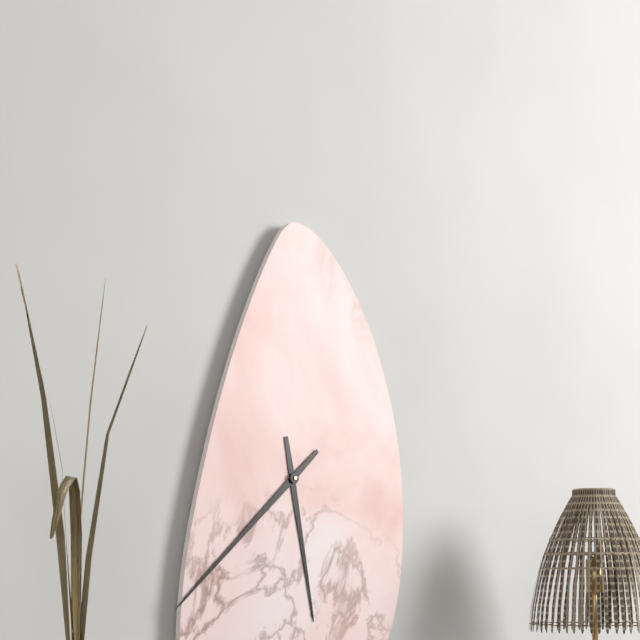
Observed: 5:38
